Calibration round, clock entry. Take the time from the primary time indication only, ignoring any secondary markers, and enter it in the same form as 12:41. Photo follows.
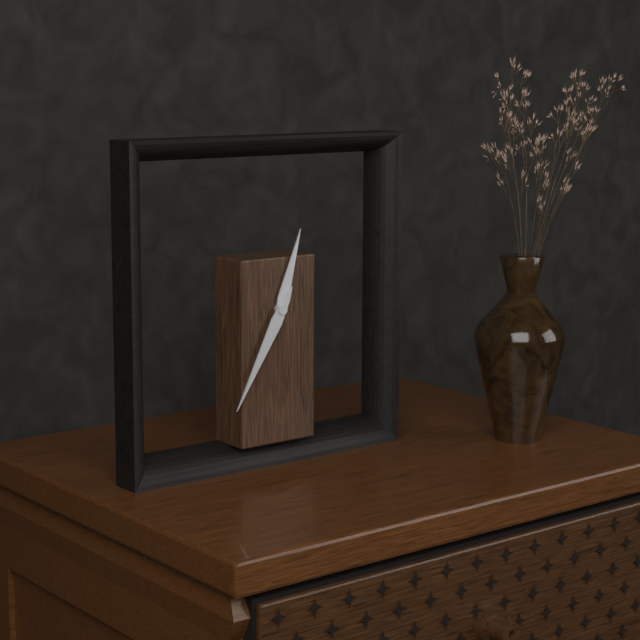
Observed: 12:35
